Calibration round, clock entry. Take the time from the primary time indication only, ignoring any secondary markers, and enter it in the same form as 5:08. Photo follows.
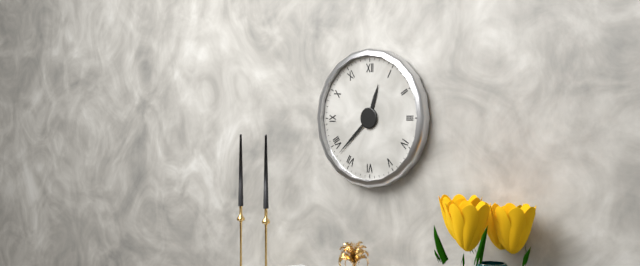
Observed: 12:38
